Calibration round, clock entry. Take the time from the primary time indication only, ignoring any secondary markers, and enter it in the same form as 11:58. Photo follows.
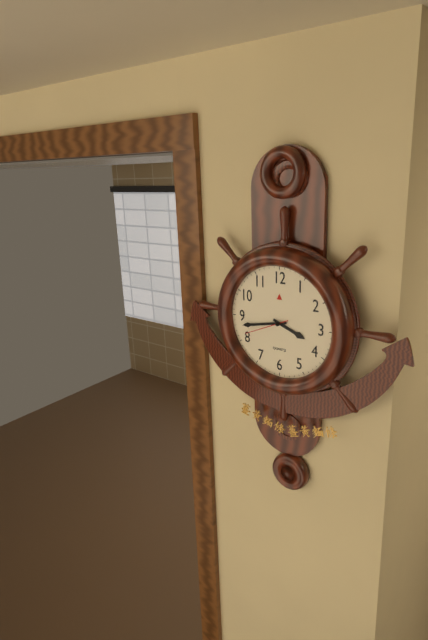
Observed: 3:43
